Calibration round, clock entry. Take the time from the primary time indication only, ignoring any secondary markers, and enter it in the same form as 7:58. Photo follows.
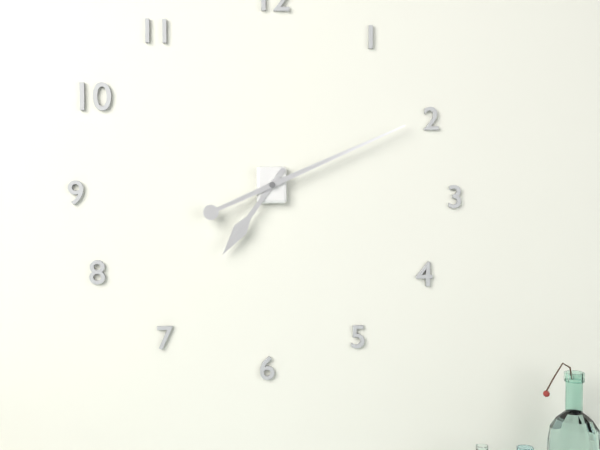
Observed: 7:11
